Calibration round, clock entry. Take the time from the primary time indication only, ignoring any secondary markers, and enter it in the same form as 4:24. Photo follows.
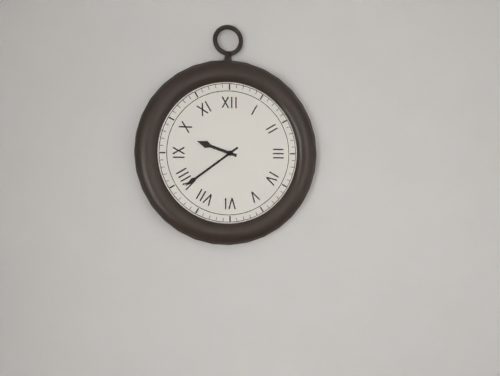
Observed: 9:39
